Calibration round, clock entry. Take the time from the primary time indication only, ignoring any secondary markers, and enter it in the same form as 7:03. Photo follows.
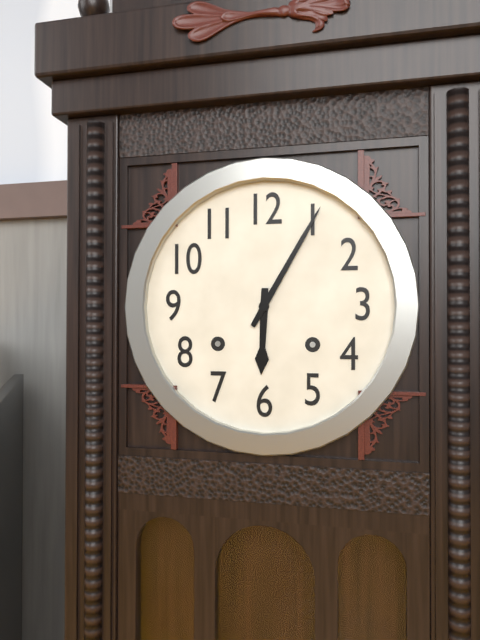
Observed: 6:05
